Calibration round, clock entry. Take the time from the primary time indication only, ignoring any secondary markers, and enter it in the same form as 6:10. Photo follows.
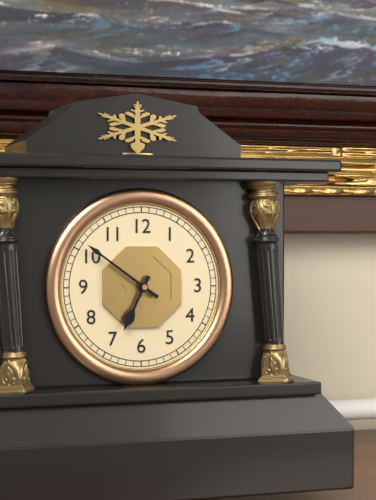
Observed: 6:51
